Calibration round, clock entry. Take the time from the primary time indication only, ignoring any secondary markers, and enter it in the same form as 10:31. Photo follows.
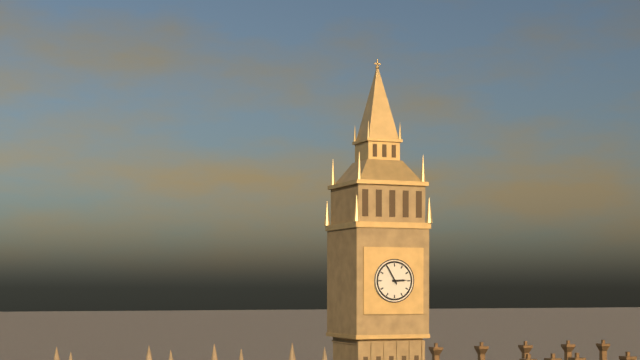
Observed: 2:55
